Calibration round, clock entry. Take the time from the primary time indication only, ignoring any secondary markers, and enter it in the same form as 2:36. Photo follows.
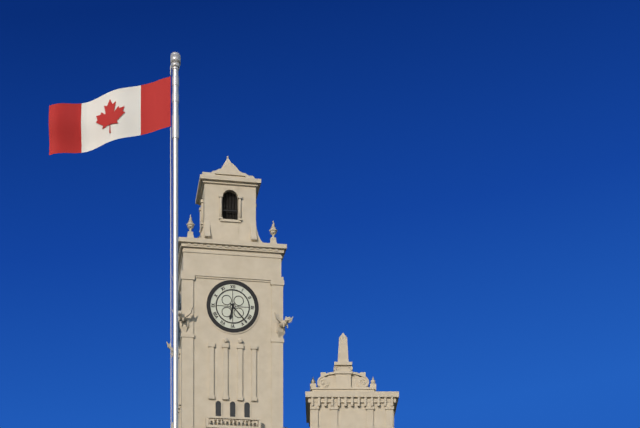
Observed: 6:23
